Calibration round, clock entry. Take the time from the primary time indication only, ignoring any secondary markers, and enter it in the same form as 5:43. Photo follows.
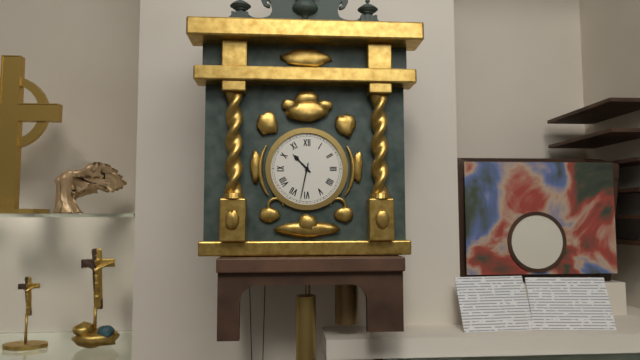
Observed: 10:32
